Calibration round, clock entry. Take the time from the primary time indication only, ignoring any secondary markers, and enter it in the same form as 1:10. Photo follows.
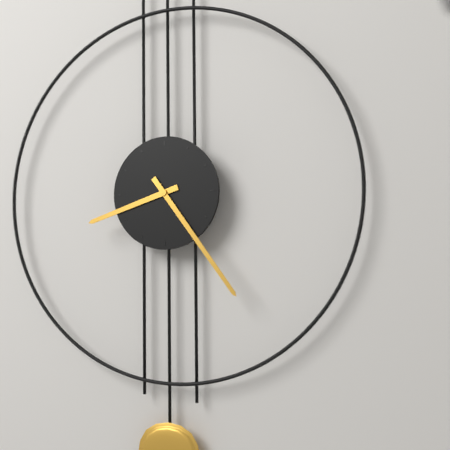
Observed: 8:24
